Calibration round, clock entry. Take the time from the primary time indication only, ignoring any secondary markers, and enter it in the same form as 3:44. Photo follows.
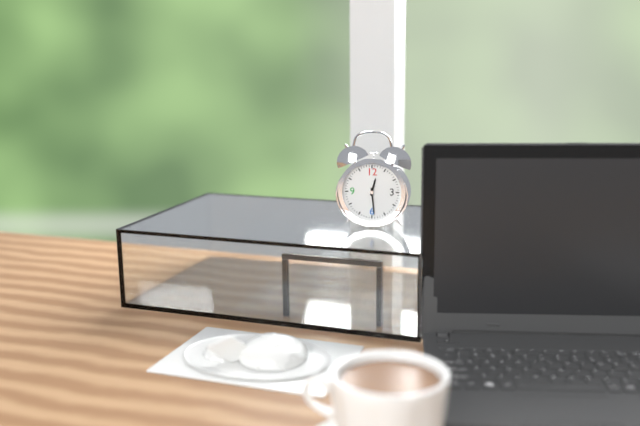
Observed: 12:29
